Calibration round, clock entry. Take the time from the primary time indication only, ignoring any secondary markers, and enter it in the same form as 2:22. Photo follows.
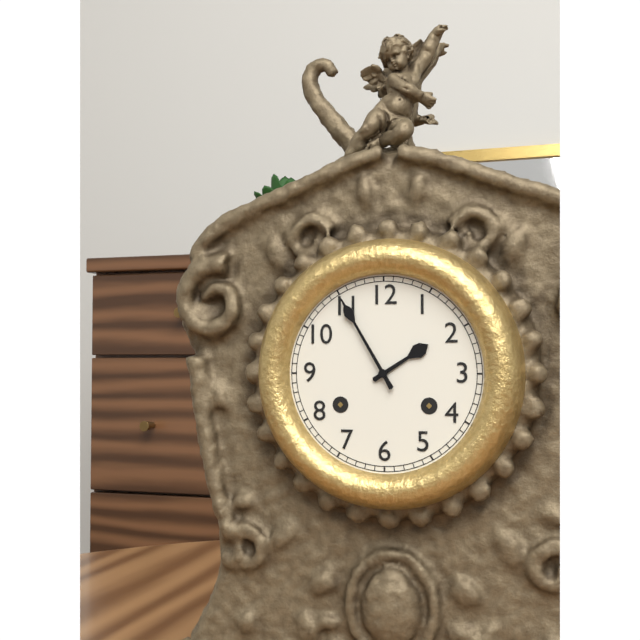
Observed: 1:55
